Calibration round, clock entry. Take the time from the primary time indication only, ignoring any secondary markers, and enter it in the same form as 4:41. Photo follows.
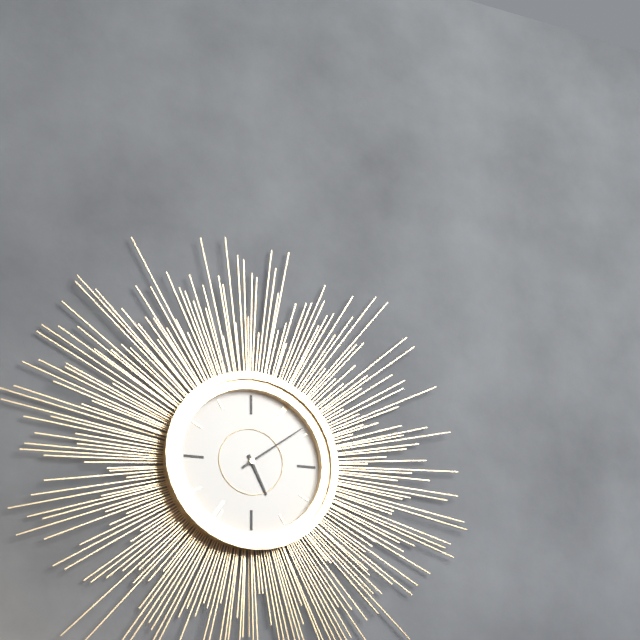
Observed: 5:09
